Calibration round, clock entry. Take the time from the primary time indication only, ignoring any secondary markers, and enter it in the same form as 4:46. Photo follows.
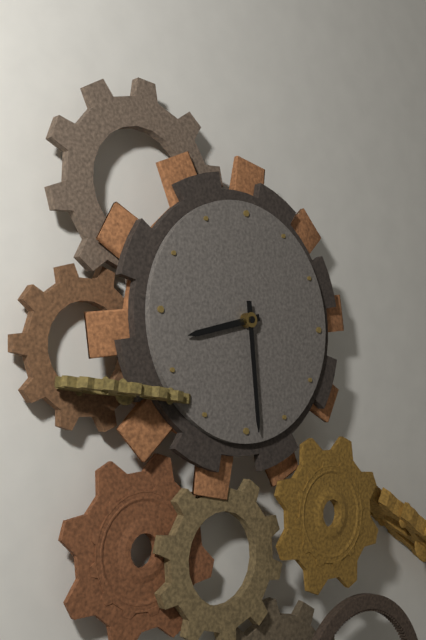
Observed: 8:29
